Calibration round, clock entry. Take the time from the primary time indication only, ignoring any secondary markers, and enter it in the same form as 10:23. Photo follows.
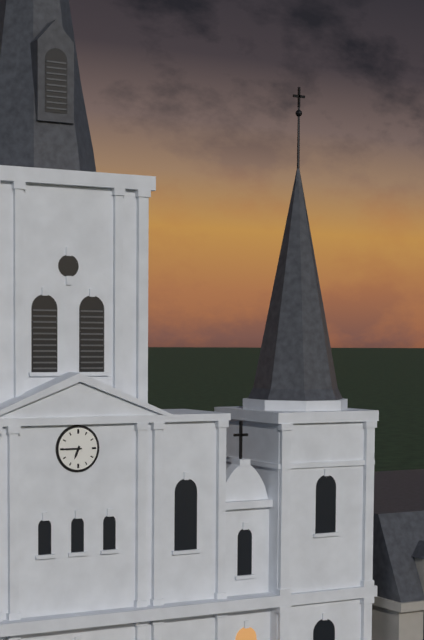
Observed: 6:45
